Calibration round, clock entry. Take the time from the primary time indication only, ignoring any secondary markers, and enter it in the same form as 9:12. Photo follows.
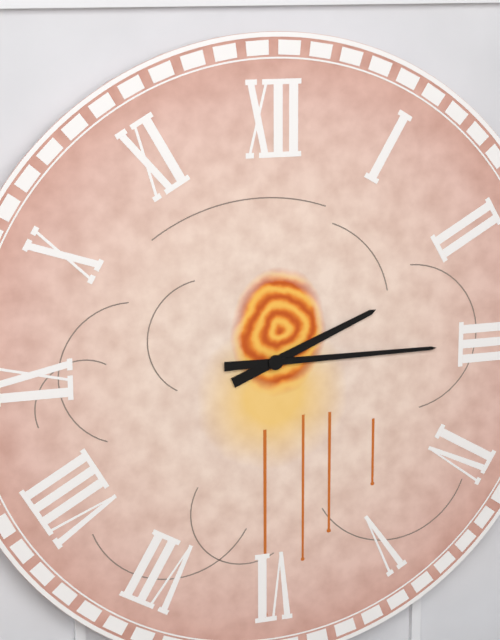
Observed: 2:15
